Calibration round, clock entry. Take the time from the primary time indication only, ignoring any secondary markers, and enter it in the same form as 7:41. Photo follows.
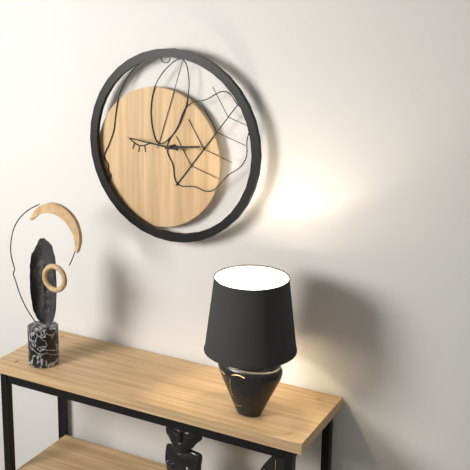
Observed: 2:46
